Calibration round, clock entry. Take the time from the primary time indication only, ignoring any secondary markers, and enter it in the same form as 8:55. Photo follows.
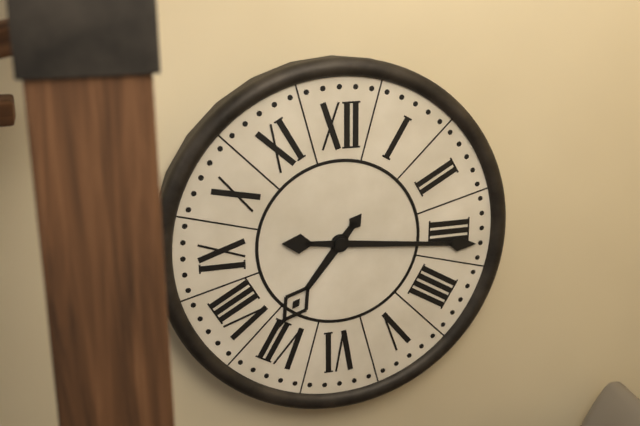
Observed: 7:16
